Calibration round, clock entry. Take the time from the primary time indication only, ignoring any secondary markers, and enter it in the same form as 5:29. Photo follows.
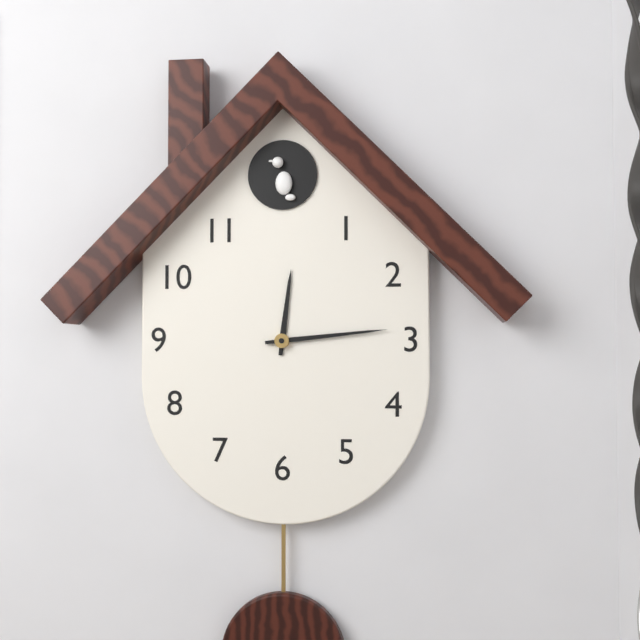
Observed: 12:14
